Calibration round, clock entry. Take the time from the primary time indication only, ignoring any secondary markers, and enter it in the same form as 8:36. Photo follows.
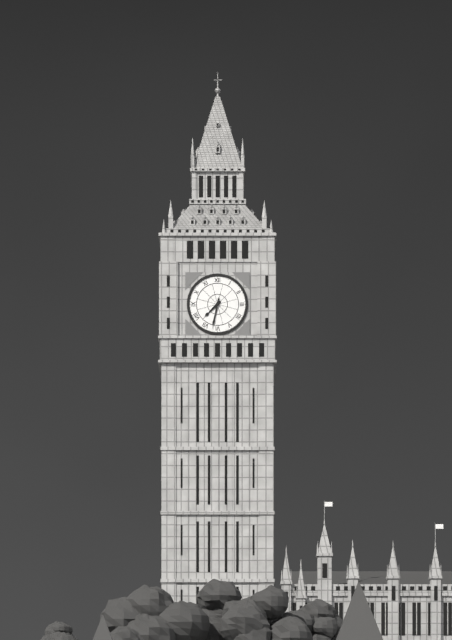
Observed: 7:32
